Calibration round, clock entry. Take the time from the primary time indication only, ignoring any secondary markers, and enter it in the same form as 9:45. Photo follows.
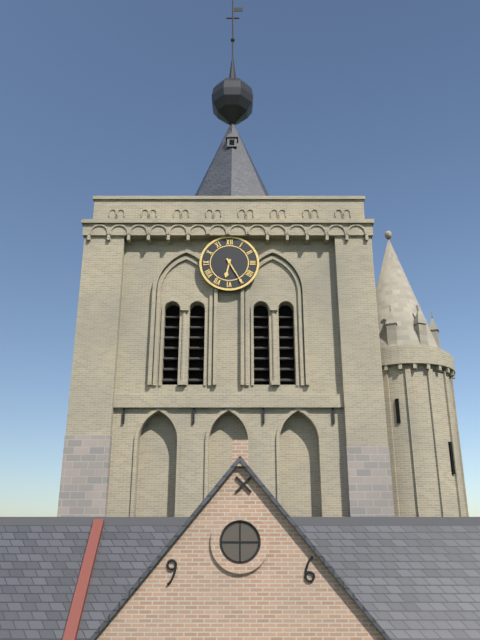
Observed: 6:25
